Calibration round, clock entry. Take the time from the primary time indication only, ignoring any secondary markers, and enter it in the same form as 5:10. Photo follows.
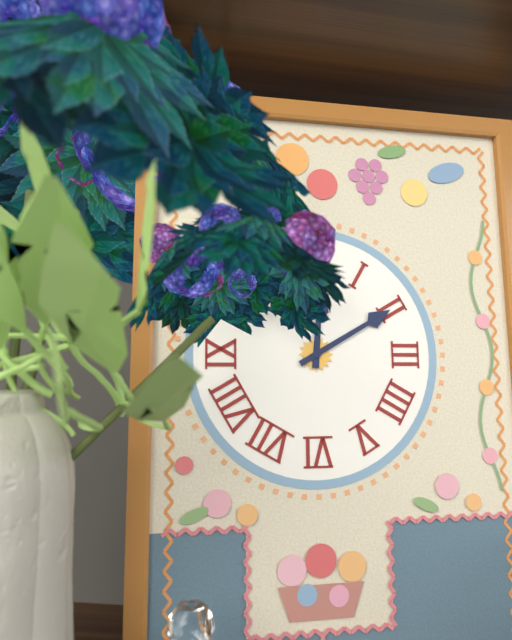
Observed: 12:10
